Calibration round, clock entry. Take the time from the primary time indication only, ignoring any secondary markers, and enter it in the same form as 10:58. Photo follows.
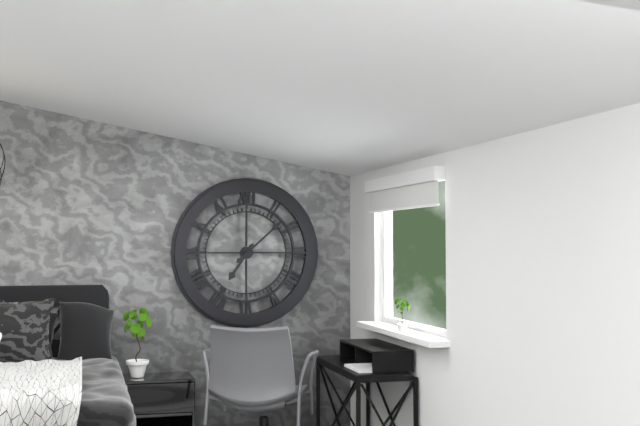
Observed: 7:08
